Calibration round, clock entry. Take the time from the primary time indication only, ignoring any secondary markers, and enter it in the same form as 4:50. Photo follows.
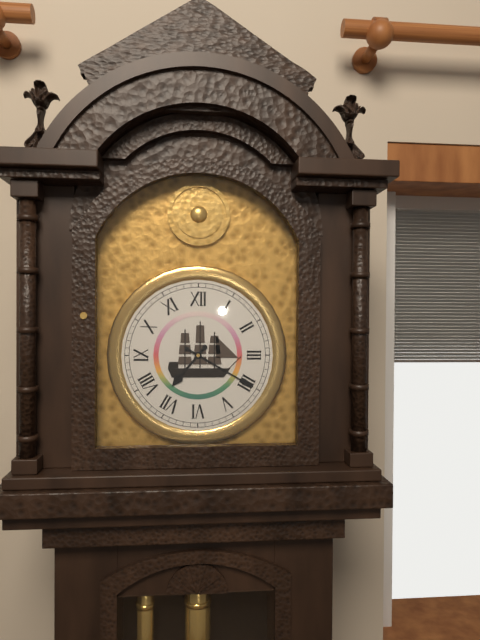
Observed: 7:20
